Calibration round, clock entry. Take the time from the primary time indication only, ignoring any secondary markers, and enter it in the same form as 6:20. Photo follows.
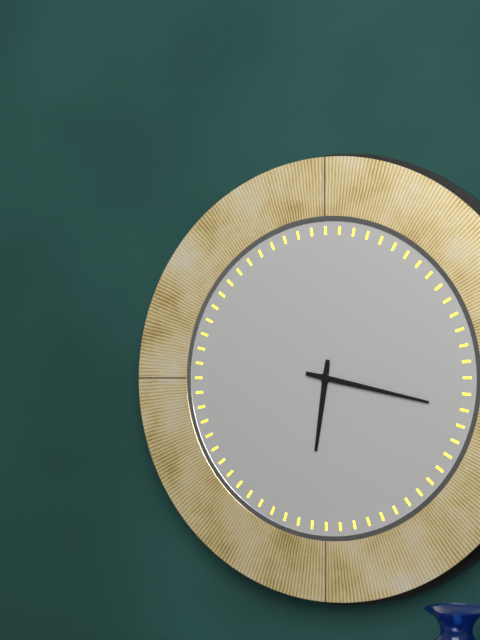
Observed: 6:17
